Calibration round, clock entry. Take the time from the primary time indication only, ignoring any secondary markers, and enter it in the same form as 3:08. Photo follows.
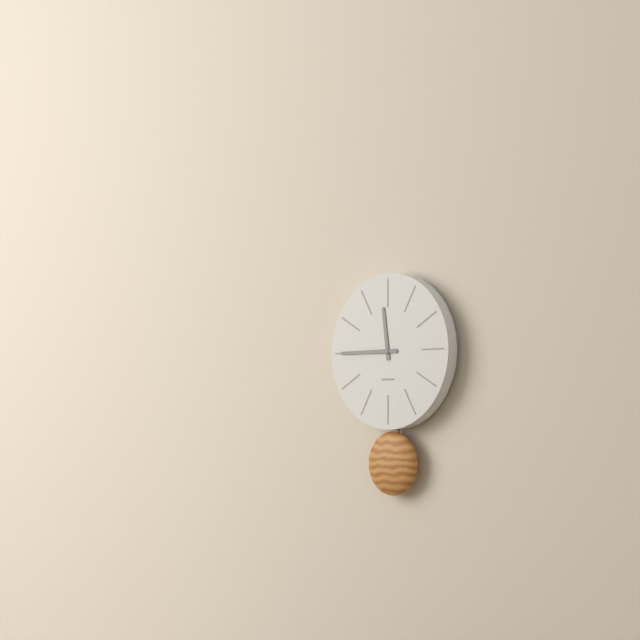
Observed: 11:45
